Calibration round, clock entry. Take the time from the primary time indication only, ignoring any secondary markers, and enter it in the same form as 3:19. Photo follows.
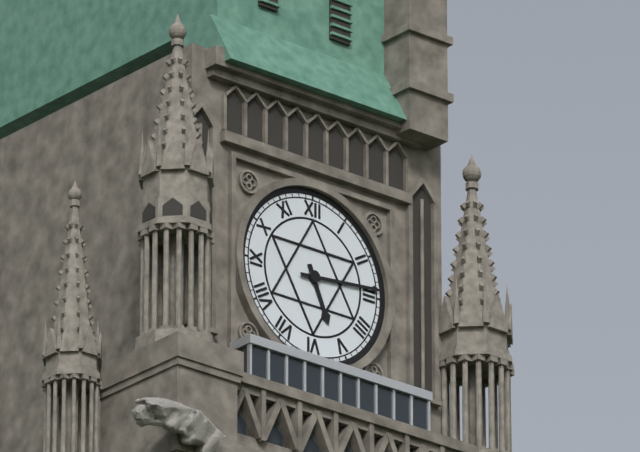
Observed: 5:14
